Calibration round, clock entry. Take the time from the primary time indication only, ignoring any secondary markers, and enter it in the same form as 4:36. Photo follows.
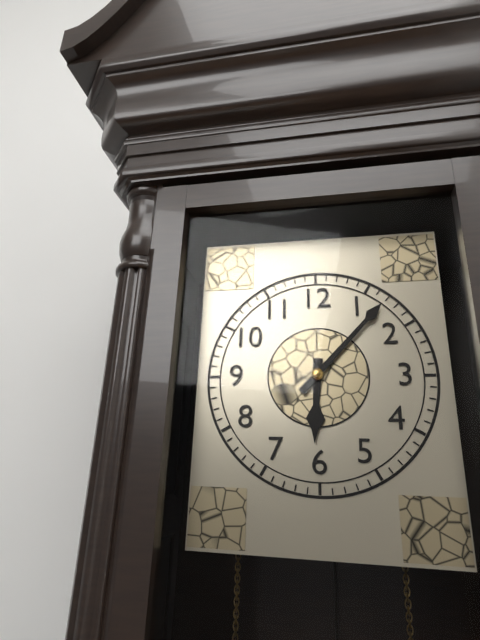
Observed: 6:07
